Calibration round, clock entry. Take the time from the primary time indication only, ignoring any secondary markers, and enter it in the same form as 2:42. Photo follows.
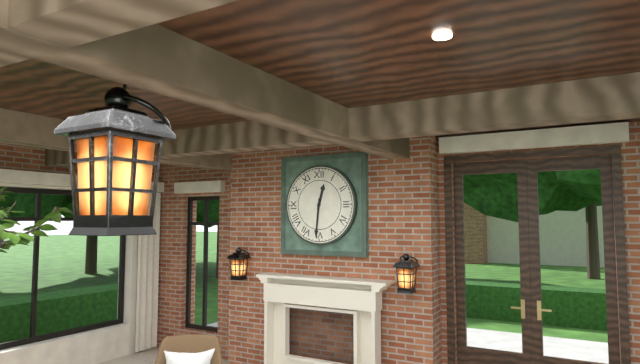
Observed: 12:31
